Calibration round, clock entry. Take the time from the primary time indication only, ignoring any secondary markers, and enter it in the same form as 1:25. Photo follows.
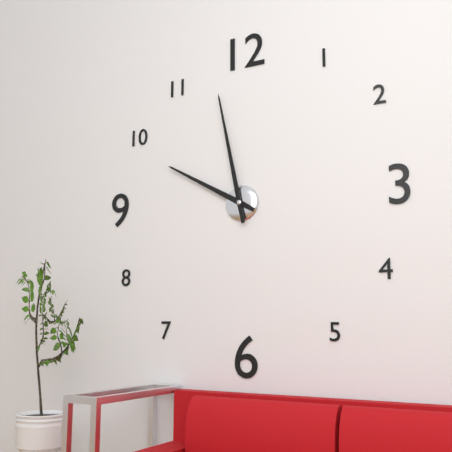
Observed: 9:58
